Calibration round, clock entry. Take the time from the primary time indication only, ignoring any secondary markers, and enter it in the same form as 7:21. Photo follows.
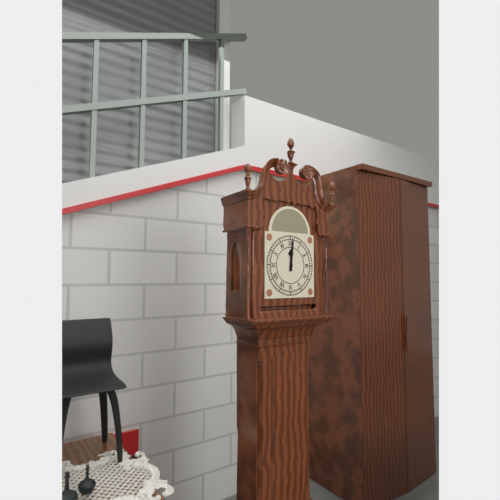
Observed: 12:01
